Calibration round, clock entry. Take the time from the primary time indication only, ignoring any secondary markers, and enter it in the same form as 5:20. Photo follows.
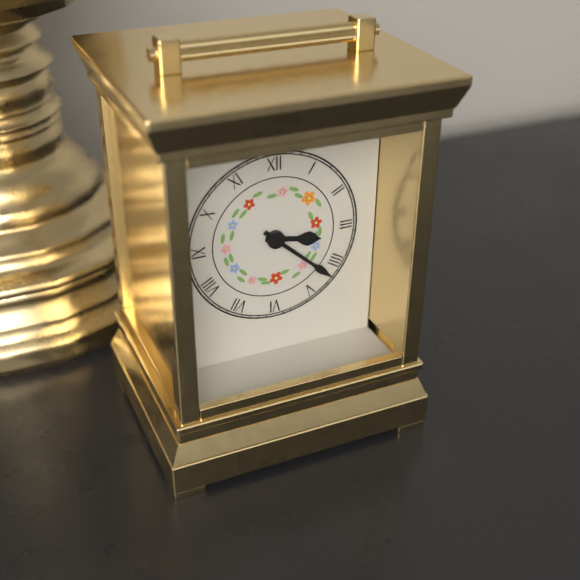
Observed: 3:22
